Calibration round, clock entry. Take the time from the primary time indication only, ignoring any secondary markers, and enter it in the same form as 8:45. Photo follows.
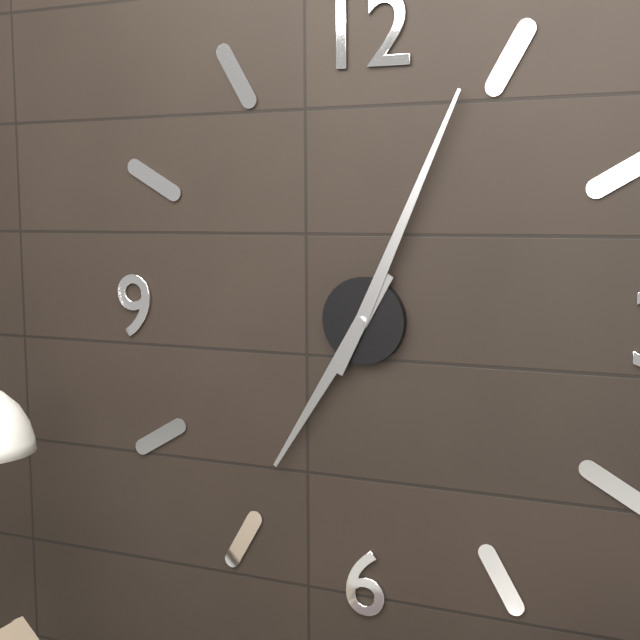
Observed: 7:04
